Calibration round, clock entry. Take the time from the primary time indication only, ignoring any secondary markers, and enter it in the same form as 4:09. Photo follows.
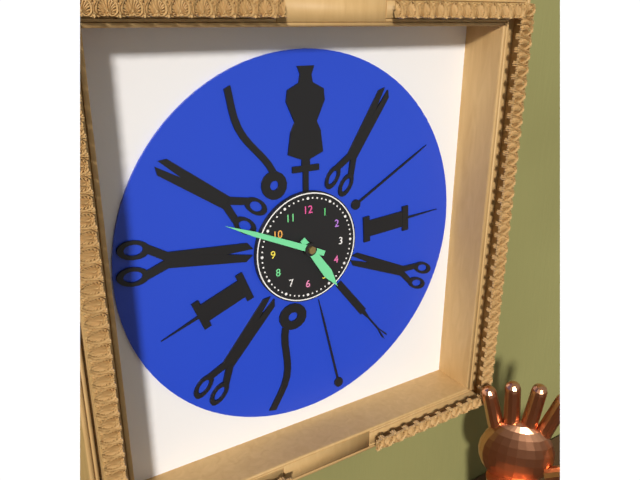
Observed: 4:49
